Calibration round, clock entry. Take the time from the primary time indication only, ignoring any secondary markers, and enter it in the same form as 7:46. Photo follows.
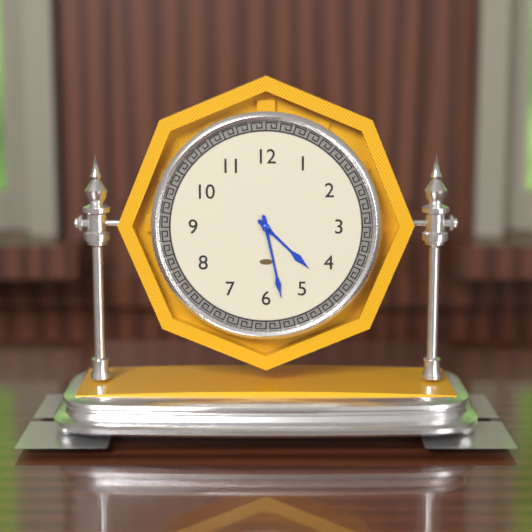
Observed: 4:28
